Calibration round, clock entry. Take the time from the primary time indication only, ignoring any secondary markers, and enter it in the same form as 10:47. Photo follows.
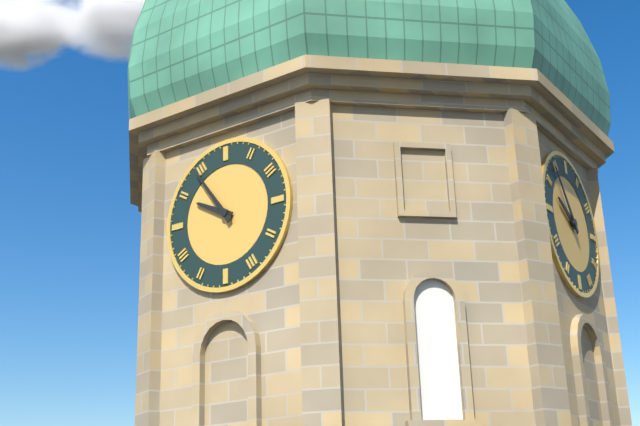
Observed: 9:54
